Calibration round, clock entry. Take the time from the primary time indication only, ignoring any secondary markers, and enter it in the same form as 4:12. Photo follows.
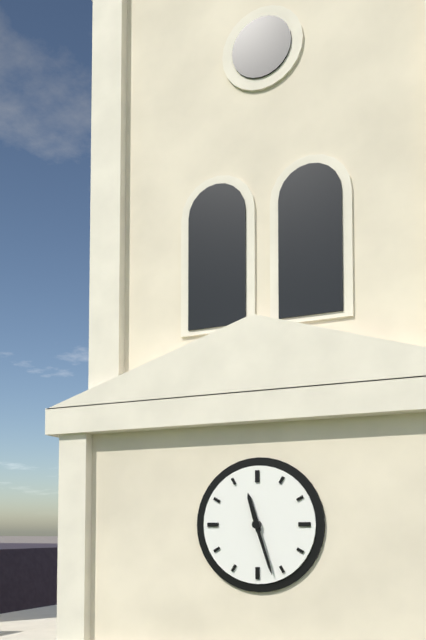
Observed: 11:27
